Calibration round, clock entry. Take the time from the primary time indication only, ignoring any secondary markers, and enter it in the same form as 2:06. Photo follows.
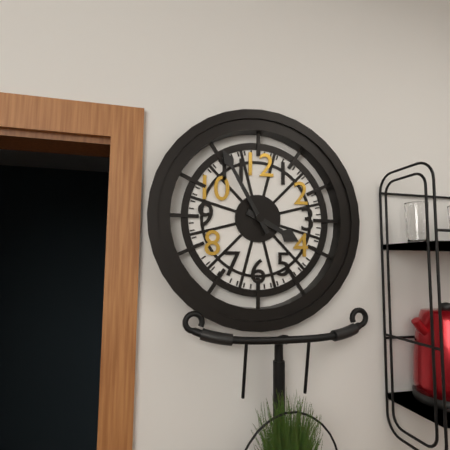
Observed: 3:55
